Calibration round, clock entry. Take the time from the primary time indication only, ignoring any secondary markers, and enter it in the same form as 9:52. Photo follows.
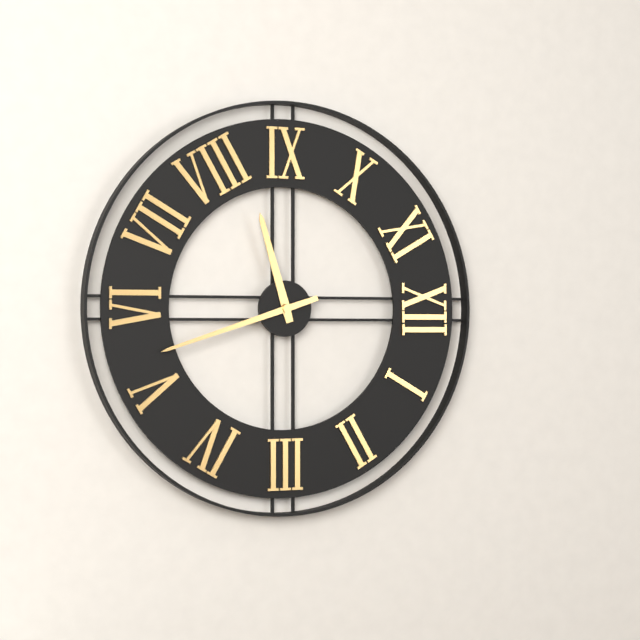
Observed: 8:27
